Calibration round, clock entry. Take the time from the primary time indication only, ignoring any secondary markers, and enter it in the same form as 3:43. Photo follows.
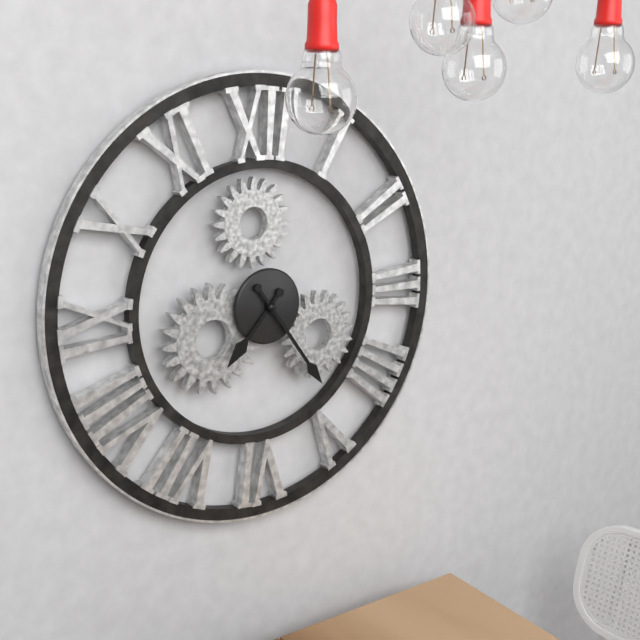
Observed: 7:24
